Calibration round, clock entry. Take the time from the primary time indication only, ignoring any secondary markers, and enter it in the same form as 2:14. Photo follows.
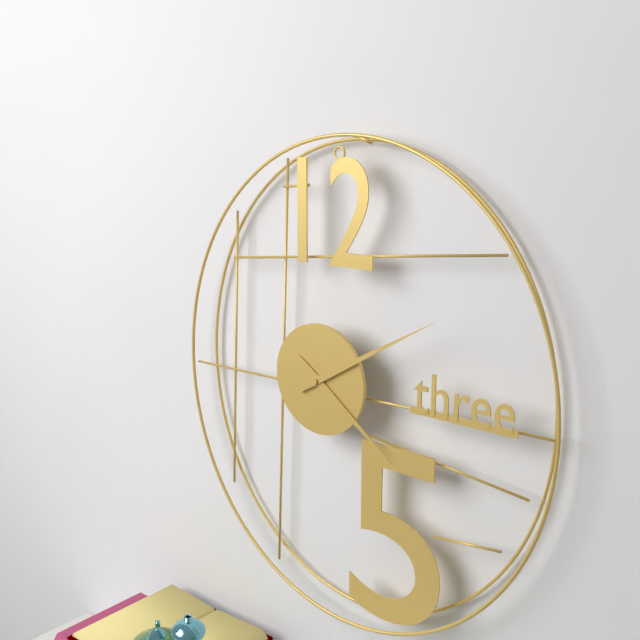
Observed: 4:10
